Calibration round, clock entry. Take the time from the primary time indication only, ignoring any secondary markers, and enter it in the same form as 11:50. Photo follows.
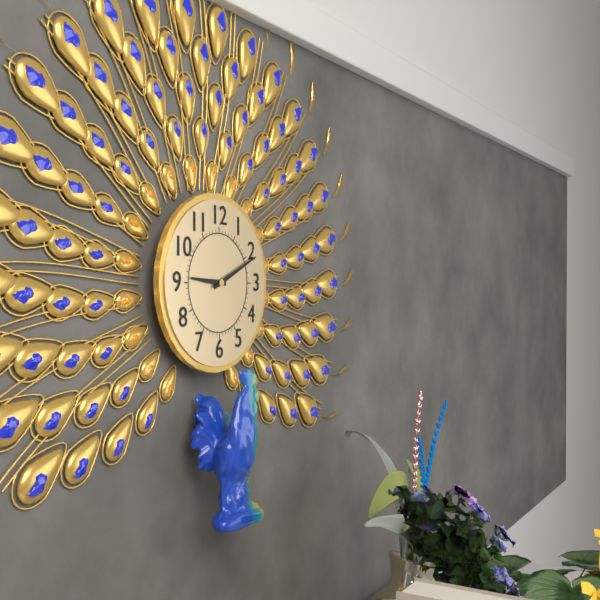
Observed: 9:11
